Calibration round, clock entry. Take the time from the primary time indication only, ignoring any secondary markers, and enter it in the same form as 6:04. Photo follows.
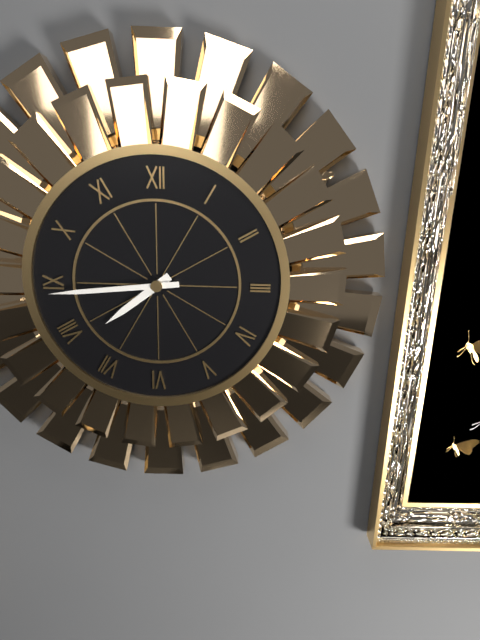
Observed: 7:44
